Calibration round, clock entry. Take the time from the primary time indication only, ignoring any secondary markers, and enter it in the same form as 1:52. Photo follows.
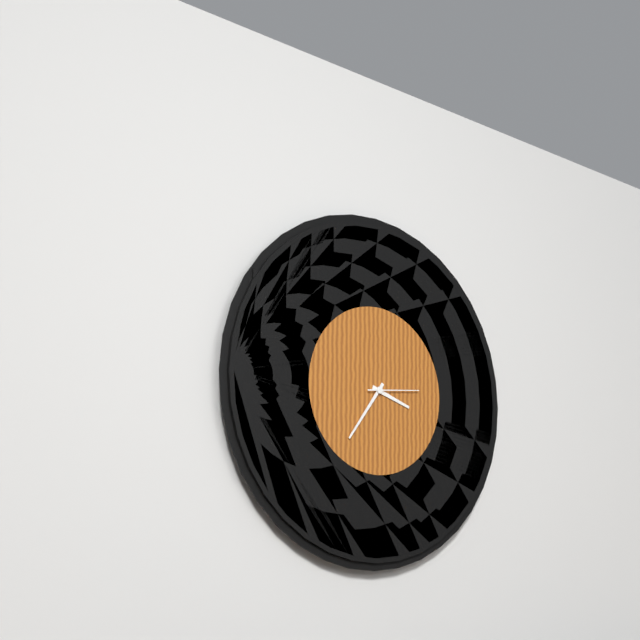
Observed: 3:36
